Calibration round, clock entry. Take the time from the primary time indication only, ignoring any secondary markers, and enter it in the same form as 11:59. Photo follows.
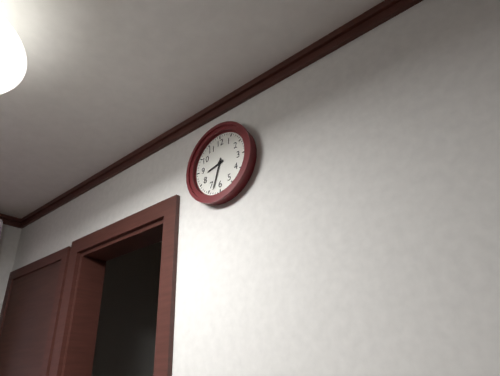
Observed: 8:33
